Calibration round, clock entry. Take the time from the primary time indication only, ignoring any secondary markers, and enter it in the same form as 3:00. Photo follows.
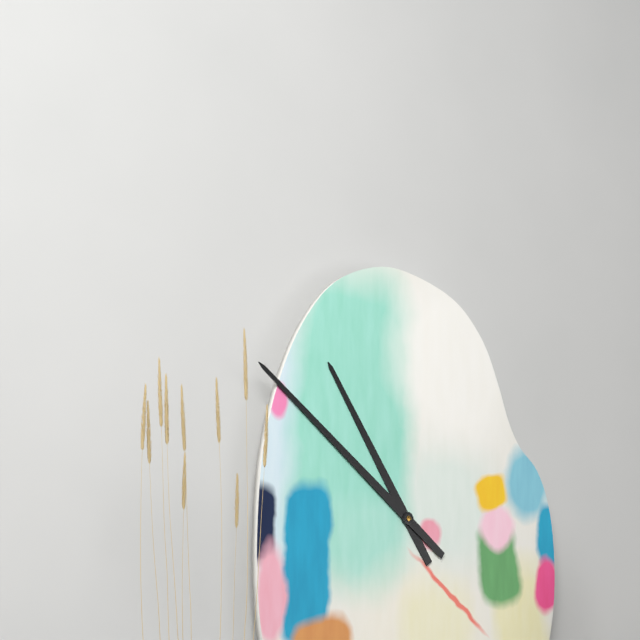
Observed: 10:51
